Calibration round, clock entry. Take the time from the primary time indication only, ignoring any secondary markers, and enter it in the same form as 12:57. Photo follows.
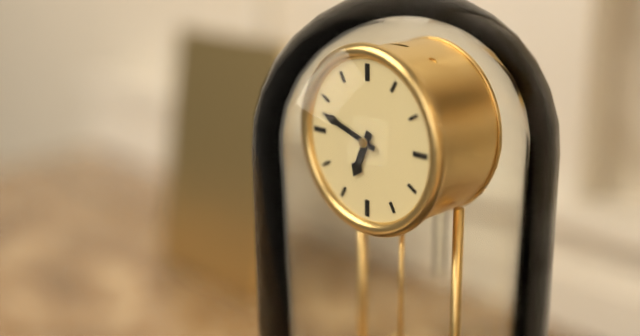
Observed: 6:48
